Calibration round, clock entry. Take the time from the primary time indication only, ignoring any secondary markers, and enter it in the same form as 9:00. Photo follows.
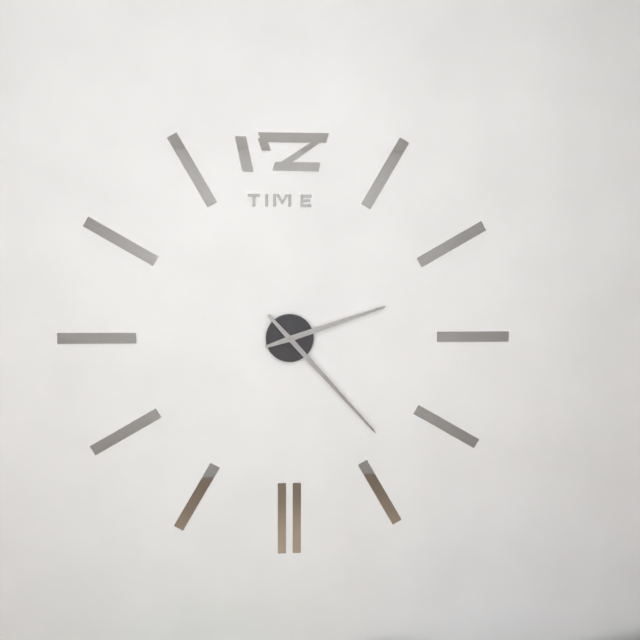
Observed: 2:23
